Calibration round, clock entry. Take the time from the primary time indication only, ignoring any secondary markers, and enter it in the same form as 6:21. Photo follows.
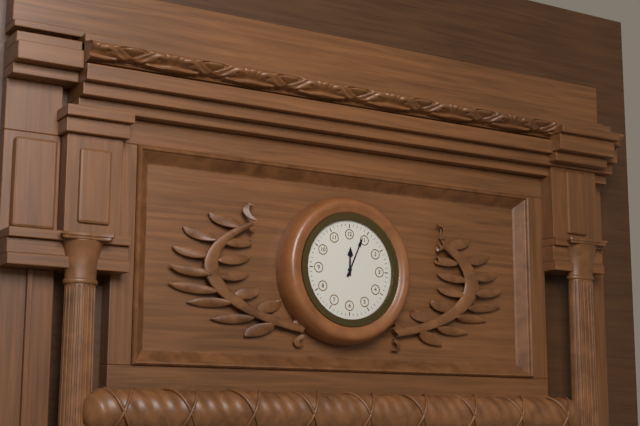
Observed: 12:04
